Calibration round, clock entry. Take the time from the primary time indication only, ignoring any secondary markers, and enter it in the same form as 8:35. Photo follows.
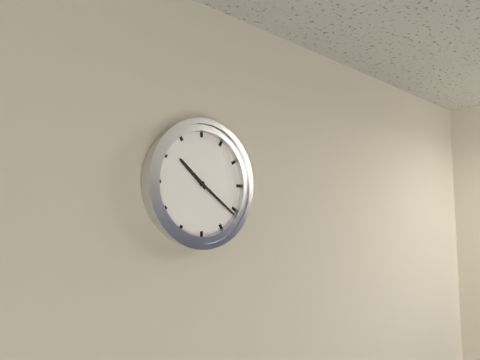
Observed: 10:21
